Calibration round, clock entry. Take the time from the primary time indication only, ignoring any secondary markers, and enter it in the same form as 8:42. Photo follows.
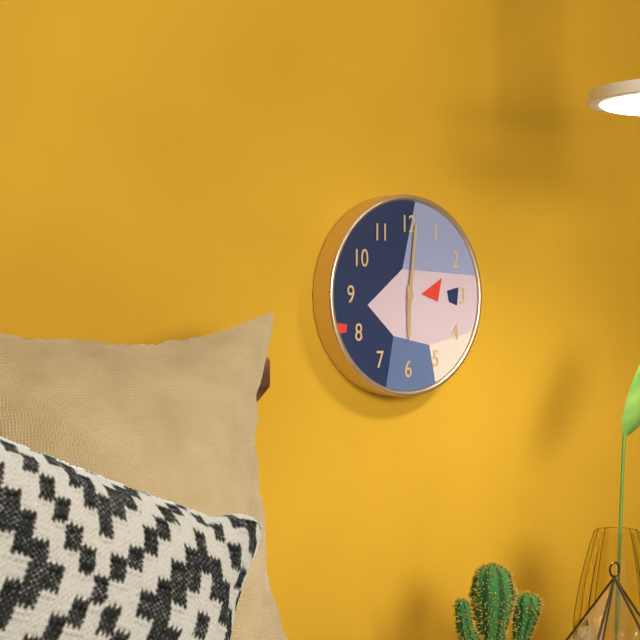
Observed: 6:01
